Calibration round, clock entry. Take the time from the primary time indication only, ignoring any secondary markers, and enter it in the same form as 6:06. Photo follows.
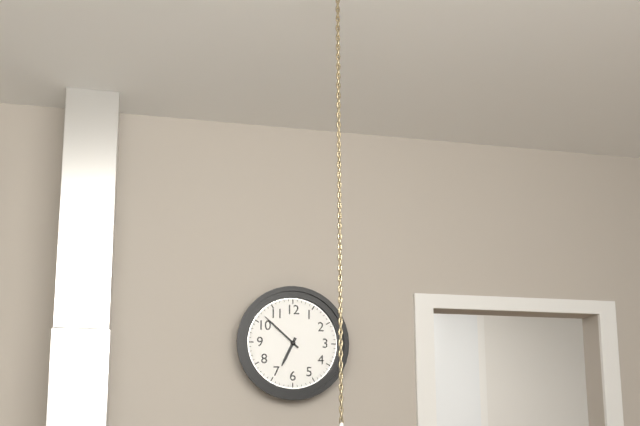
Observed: 6:52
